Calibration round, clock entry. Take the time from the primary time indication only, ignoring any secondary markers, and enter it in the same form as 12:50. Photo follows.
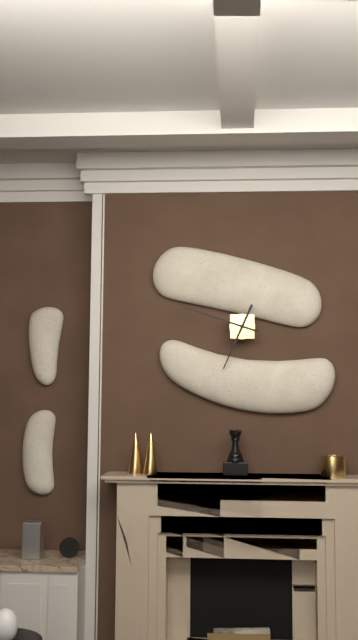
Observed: 6:48
